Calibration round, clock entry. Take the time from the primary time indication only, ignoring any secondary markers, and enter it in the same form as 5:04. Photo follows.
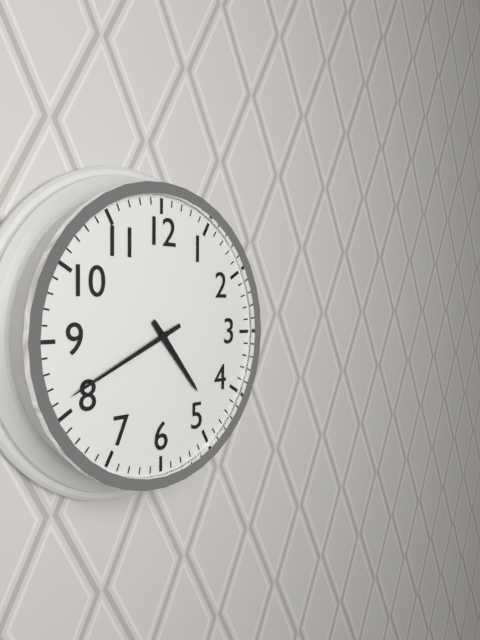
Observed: 4:41
